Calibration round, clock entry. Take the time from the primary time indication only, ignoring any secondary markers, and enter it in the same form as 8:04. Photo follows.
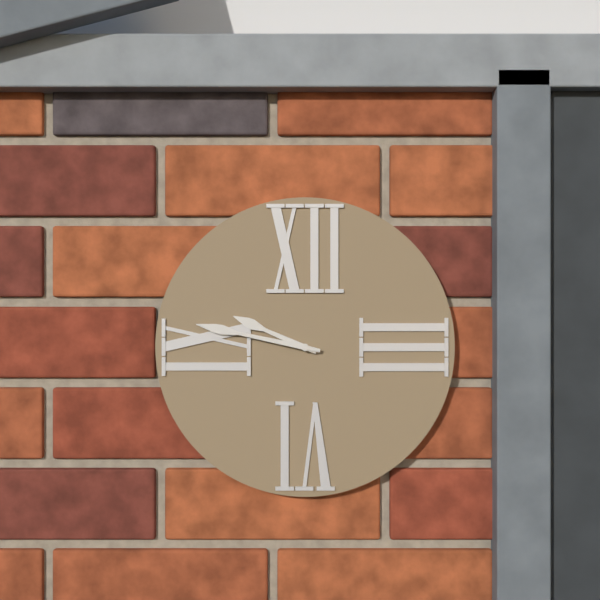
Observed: 9:47
